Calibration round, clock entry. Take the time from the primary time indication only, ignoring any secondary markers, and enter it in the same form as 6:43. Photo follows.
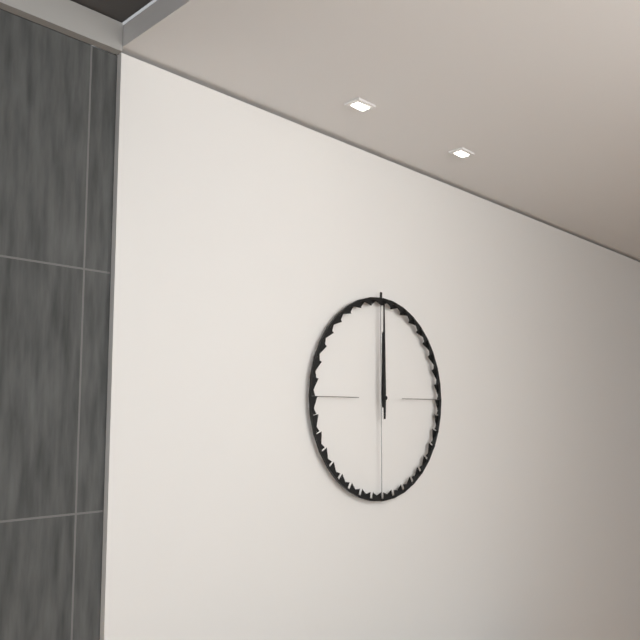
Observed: 12:00
